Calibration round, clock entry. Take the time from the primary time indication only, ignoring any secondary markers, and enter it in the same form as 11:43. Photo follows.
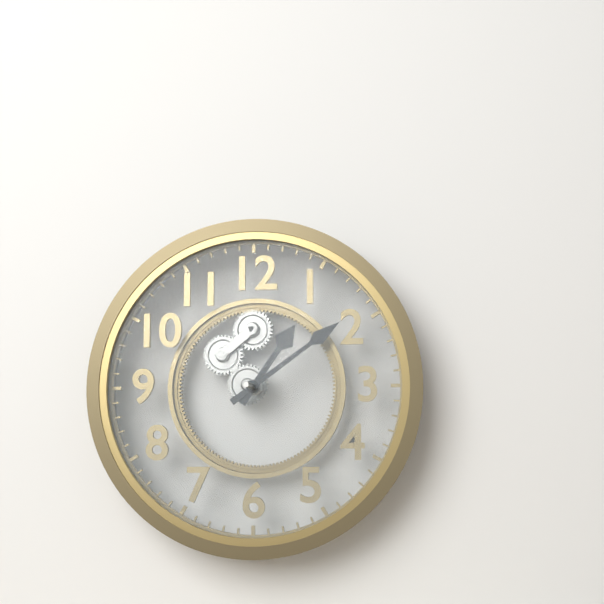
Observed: 1:09
